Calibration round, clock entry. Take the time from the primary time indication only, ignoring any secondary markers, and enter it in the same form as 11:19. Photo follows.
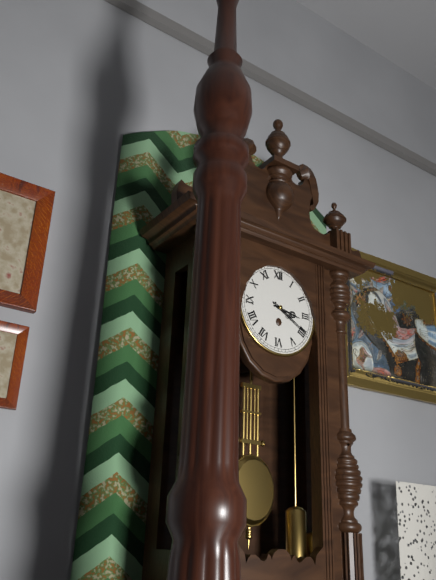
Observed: 3:20
